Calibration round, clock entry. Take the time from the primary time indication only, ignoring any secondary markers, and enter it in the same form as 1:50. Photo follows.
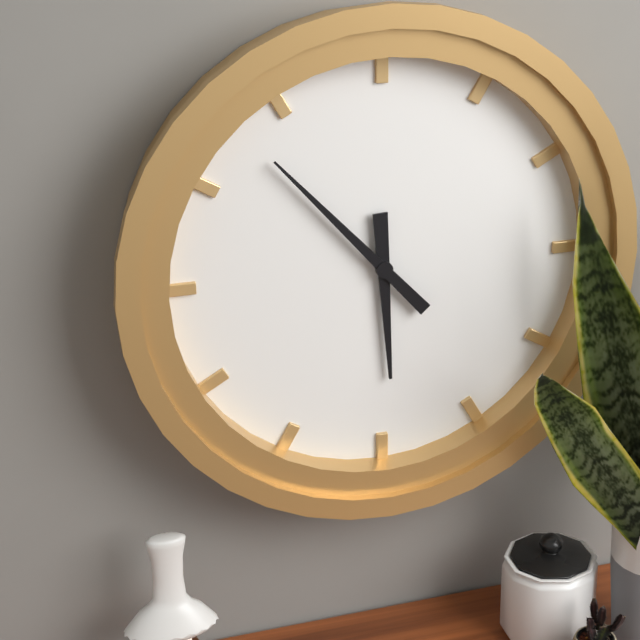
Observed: 5:53
